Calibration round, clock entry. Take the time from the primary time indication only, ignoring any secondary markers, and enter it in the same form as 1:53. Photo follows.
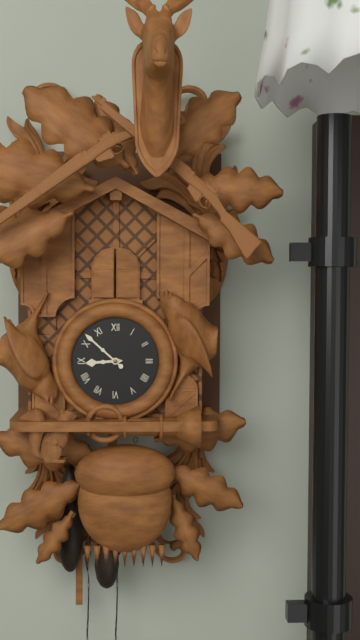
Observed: 8:52
